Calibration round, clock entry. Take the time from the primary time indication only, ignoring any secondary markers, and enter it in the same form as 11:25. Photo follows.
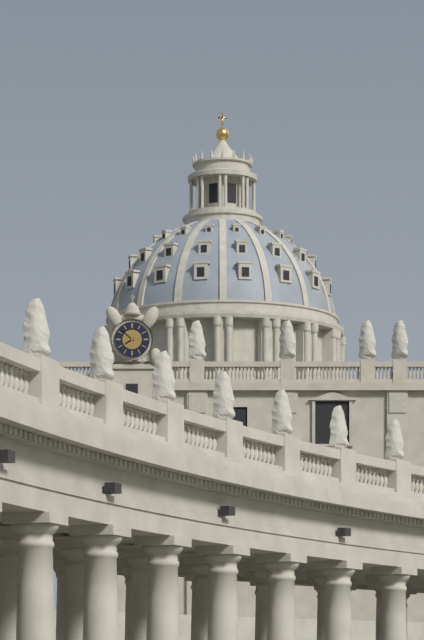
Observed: 7:52
